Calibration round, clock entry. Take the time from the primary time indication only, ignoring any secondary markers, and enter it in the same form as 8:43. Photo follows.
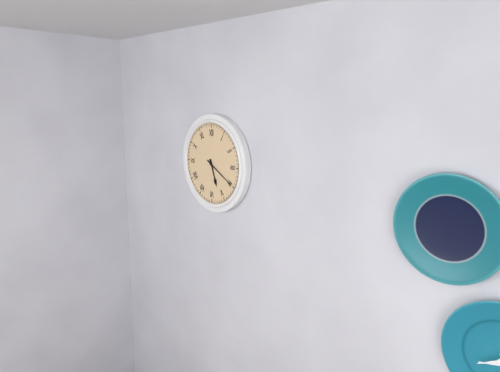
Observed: 5:20
